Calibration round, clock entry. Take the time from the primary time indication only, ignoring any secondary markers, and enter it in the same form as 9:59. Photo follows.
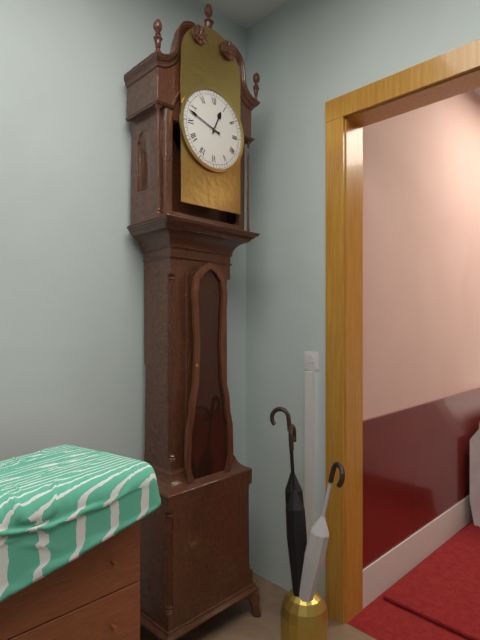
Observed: 12:48
